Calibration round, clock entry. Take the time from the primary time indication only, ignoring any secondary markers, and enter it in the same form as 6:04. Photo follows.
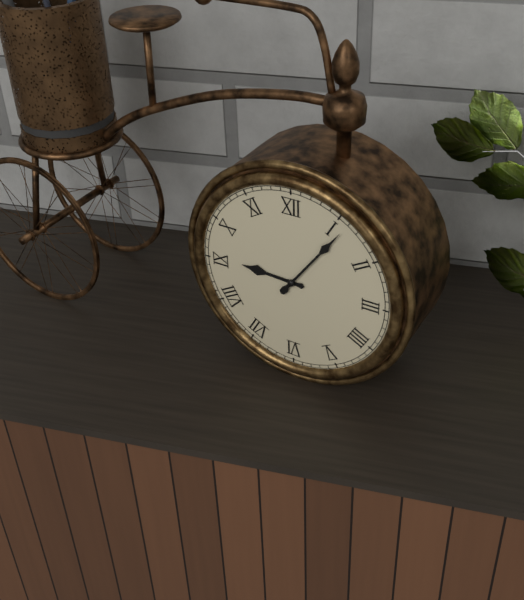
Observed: 9:06
